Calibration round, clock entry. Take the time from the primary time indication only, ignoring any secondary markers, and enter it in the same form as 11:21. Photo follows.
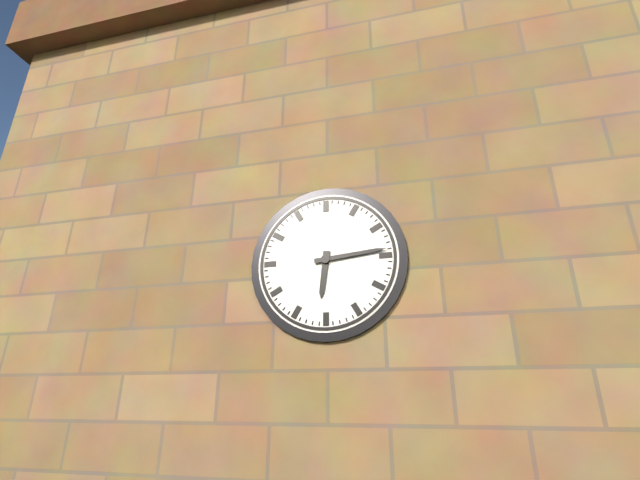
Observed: 6:14
